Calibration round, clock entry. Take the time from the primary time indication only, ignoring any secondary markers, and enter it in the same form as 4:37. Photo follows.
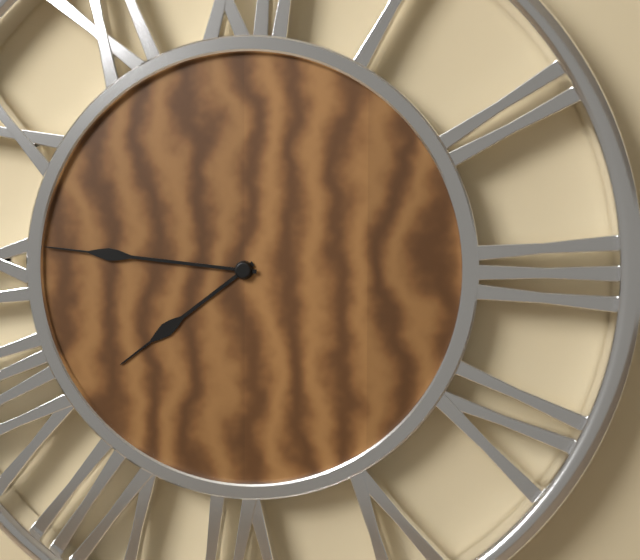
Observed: 7:46
